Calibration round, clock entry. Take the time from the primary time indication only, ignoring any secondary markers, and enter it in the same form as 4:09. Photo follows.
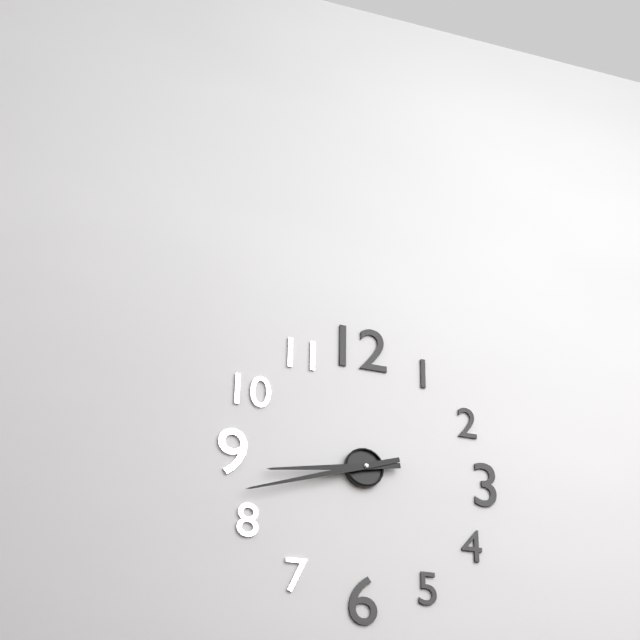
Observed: 8:42
